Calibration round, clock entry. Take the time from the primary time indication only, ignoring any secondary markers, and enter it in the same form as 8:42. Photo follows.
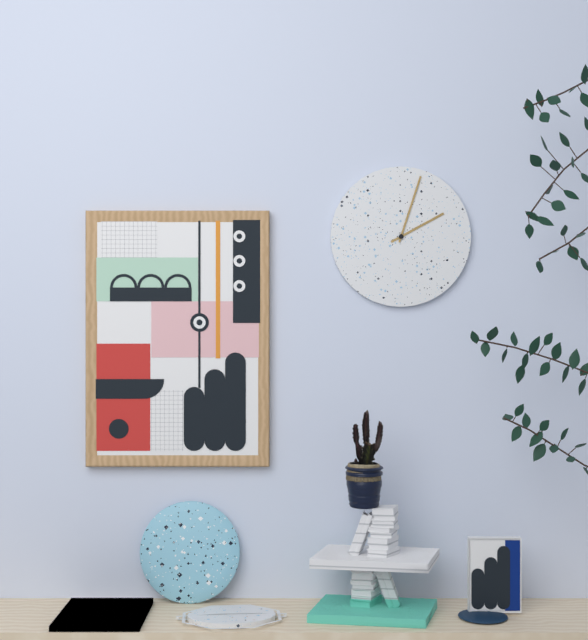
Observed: 2:03
